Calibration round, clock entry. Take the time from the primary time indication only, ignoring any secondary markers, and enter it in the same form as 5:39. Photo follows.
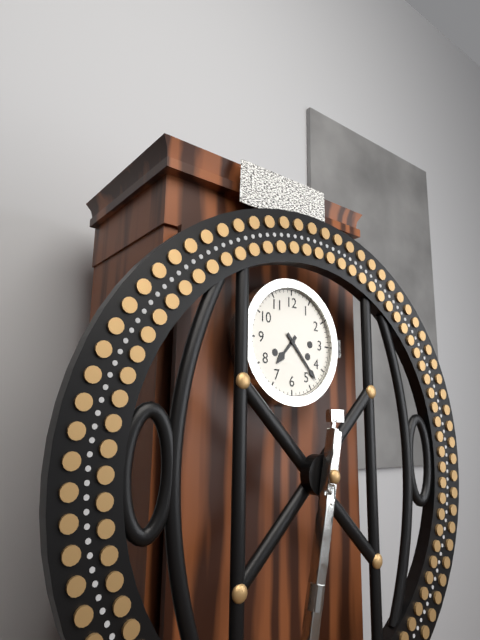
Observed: 7:23
